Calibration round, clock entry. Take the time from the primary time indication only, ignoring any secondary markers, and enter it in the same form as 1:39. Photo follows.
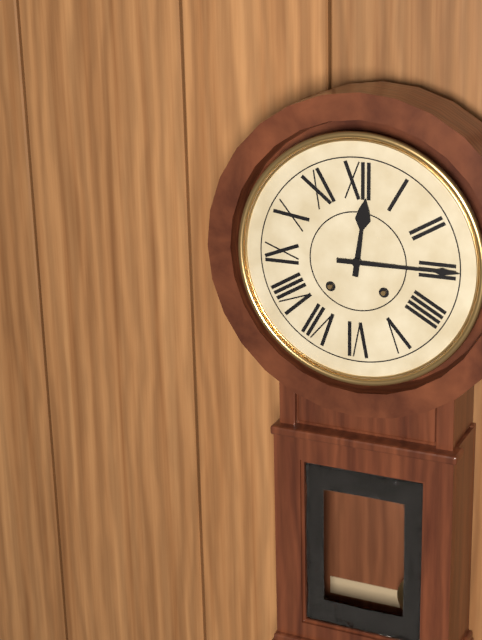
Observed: 12:15
